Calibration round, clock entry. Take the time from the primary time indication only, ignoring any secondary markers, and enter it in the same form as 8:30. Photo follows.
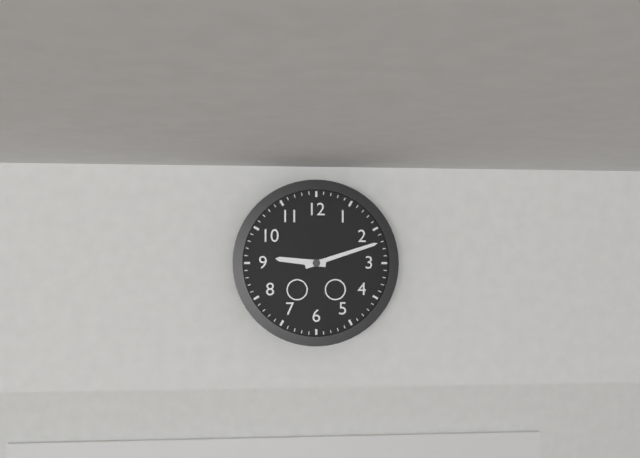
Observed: 9:12
